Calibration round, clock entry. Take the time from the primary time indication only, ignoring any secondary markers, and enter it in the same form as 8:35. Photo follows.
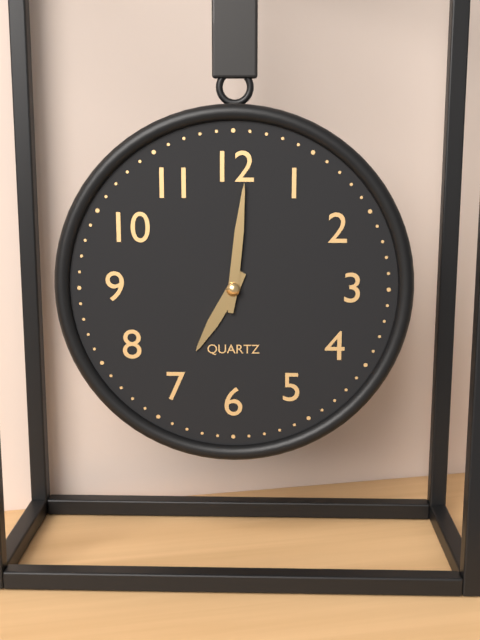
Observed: 7:01
